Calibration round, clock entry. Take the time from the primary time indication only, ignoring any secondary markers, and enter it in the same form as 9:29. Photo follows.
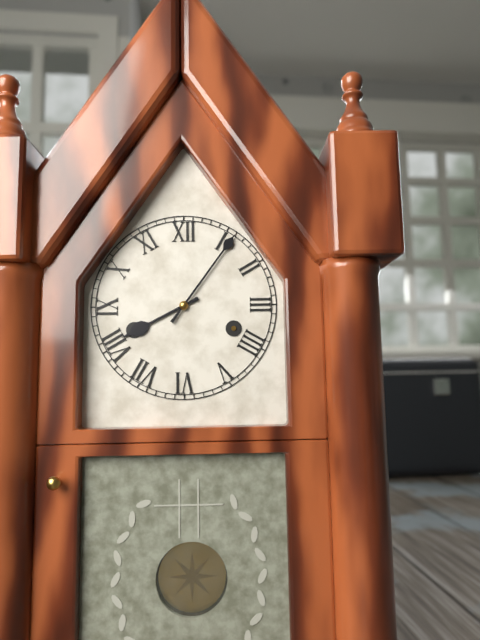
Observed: 8:06
